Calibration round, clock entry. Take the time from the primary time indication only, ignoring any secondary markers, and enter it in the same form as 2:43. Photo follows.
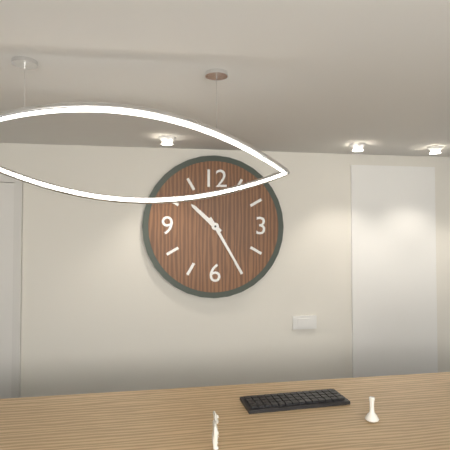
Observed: 10:25
